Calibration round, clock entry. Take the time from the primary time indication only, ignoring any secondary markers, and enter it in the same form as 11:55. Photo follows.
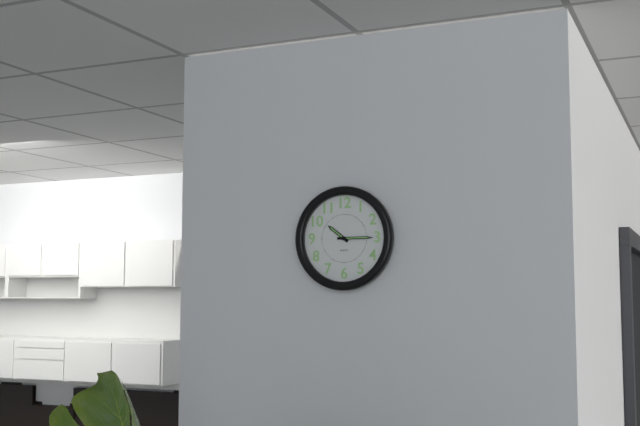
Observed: 10:15
